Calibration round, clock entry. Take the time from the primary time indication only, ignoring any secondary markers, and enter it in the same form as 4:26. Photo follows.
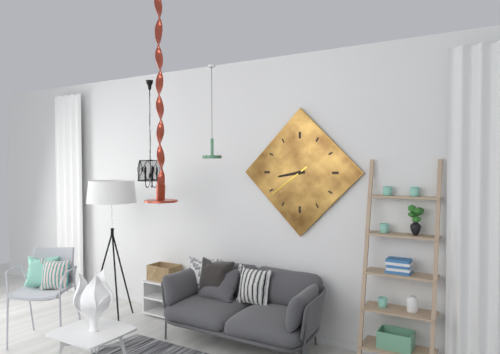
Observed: 8:39
